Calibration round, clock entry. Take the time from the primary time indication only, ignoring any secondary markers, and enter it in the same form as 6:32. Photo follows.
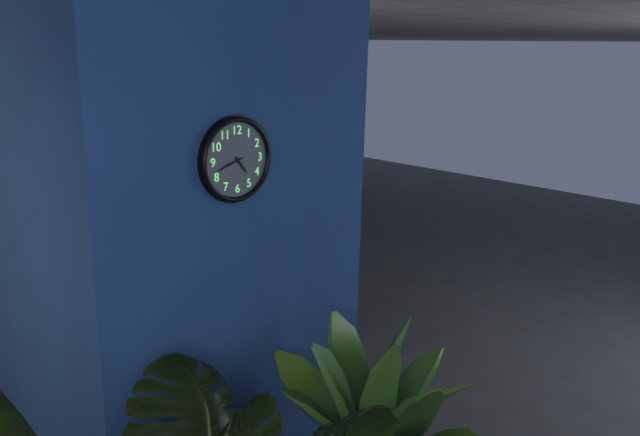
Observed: 4:42
